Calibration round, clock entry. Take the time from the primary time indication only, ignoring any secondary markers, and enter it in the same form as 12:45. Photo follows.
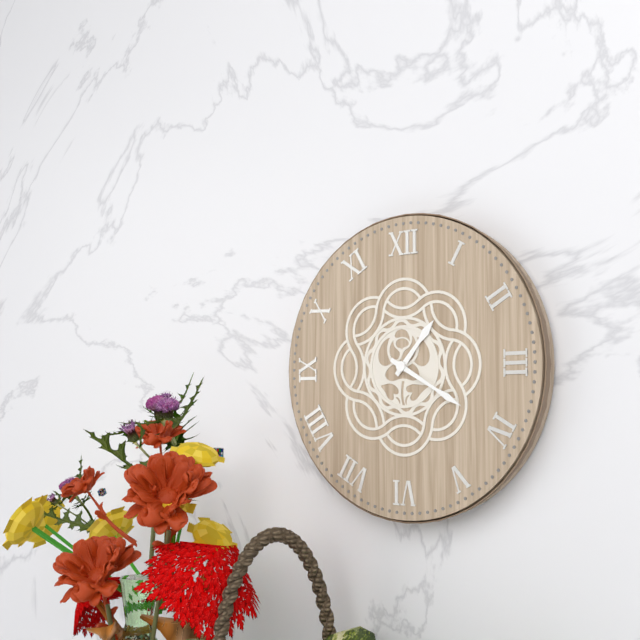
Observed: 1:20
